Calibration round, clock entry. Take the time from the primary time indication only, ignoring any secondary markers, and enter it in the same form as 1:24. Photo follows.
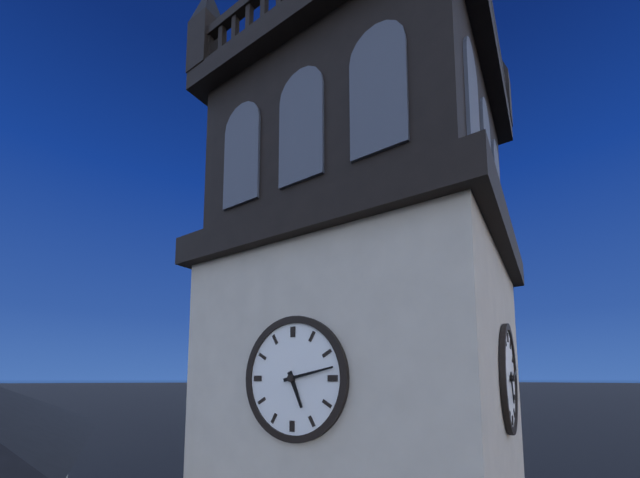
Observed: 5:13
